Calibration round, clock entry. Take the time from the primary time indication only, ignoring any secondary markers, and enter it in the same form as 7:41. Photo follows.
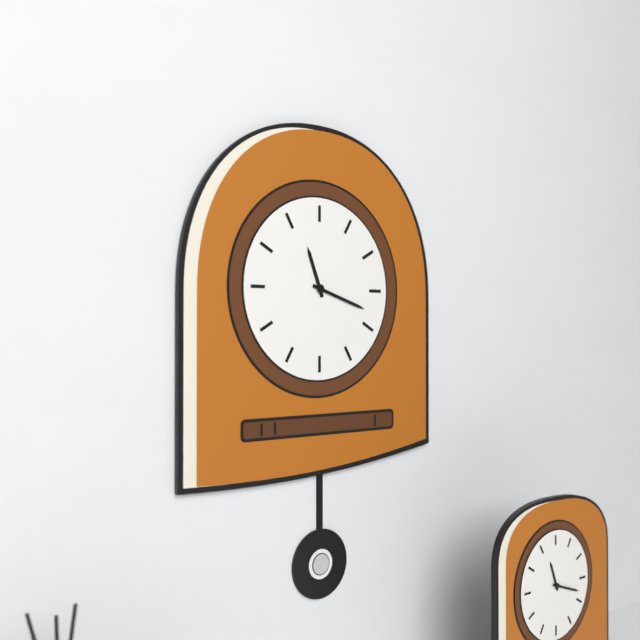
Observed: 11:18
